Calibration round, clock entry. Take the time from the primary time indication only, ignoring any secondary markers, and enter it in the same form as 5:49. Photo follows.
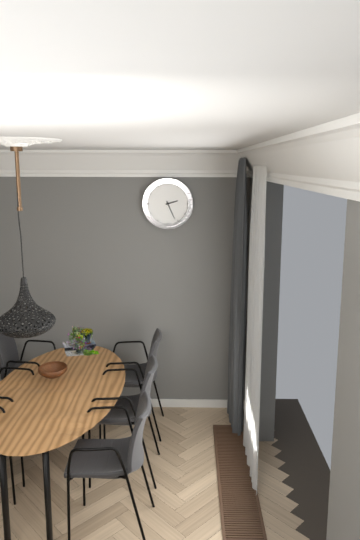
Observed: 2:26
